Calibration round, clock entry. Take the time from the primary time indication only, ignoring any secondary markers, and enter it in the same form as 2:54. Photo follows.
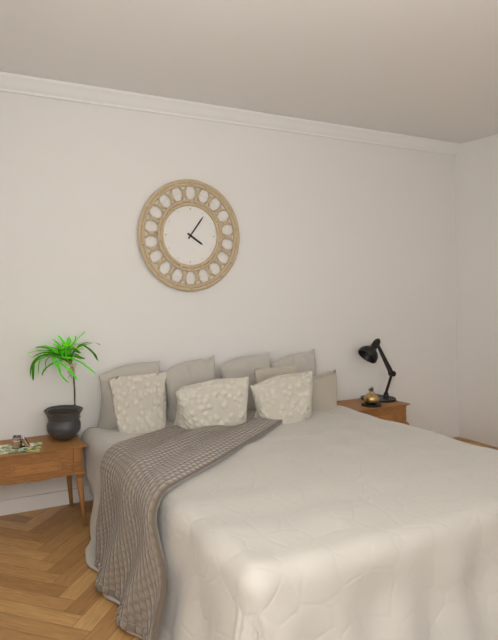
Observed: 4:06
